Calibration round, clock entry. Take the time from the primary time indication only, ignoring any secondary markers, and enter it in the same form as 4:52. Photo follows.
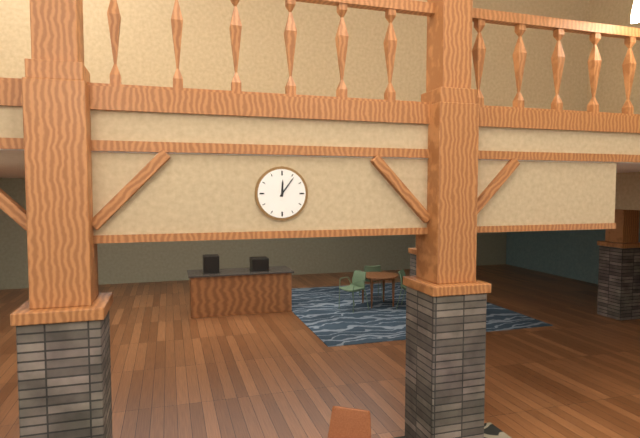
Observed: 12:06
